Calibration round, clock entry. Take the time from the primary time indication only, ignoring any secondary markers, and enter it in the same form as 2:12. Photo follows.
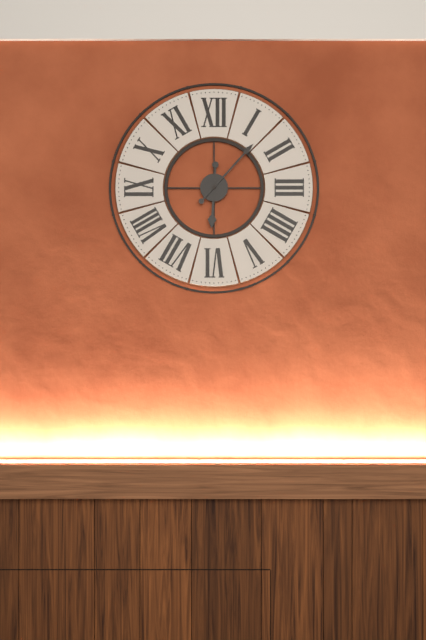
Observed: 6:07
